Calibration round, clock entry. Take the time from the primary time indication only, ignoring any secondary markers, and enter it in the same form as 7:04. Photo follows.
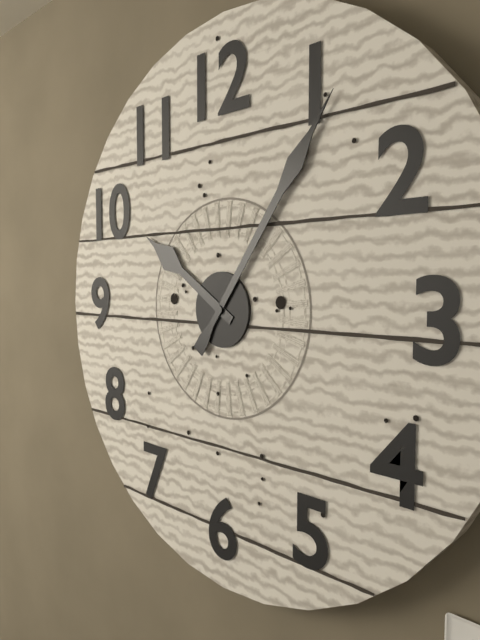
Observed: 10:06
